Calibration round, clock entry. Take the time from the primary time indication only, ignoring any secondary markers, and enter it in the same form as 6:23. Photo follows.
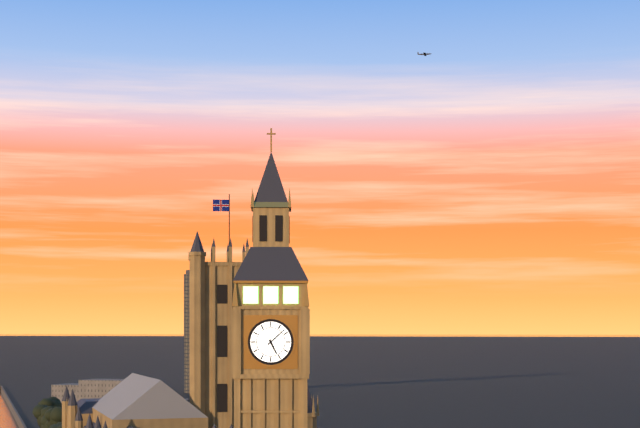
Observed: 5:08
